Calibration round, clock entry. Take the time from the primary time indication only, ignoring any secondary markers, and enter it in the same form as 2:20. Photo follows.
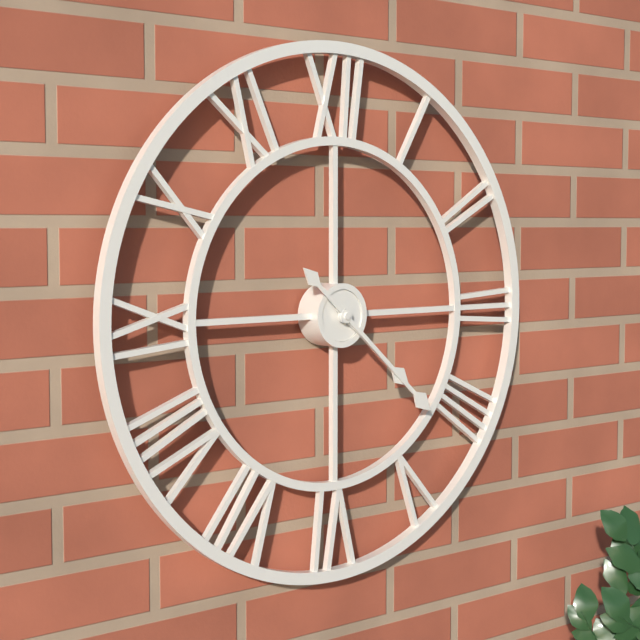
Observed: 4:22
